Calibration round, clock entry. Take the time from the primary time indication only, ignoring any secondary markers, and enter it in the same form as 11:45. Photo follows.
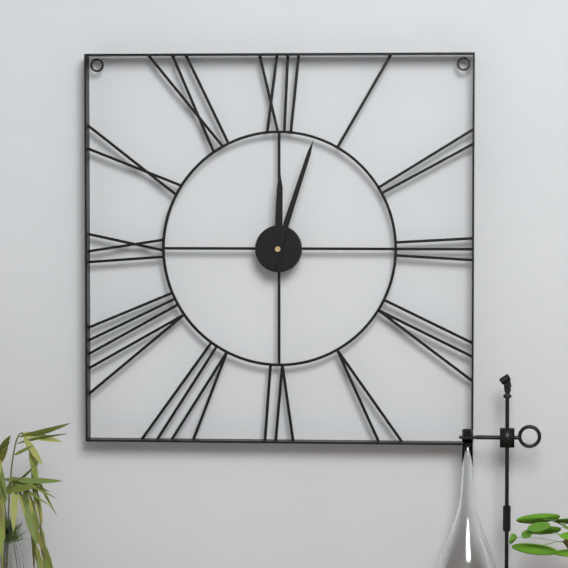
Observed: 12:03
